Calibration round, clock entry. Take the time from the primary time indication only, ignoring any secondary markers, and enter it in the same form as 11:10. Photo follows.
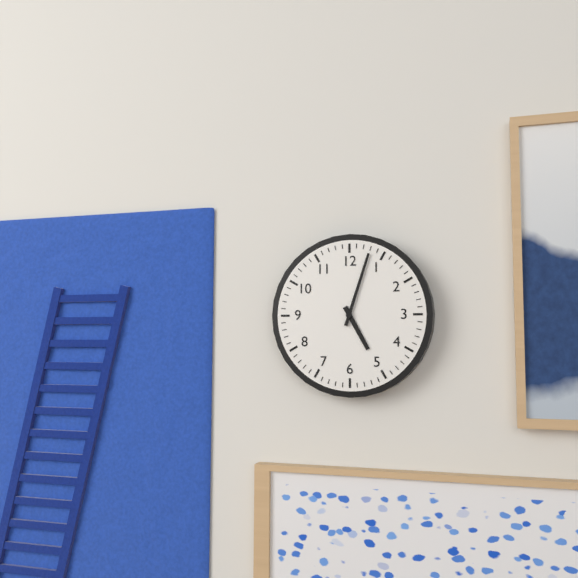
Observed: 5:03
